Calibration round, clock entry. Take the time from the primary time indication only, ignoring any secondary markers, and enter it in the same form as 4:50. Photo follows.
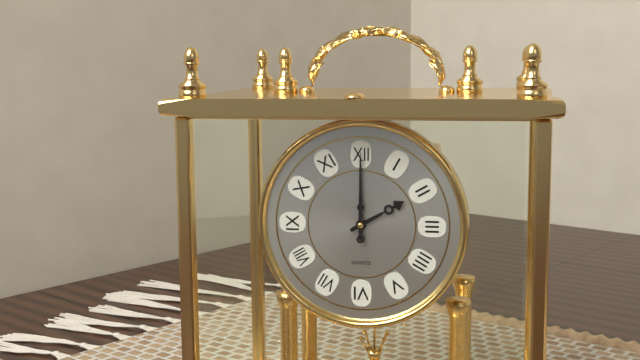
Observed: 2:00
